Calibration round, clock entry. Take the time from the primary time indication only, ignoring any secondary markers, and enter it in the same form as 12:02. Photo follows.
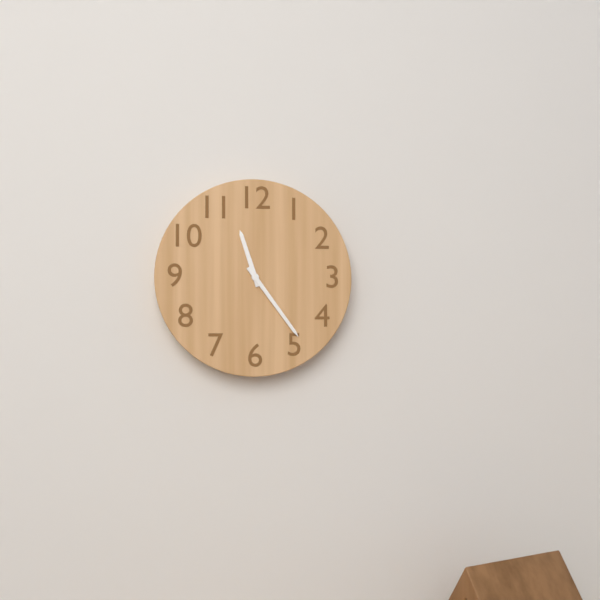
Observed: 11:24
